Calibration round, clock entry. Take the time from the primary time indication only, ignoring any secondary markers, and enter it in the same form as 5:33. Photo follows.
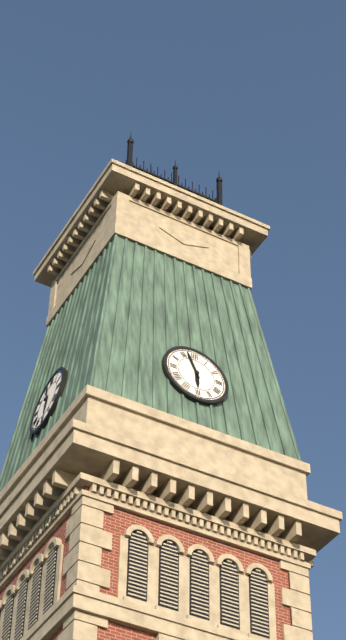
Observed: 5:57
